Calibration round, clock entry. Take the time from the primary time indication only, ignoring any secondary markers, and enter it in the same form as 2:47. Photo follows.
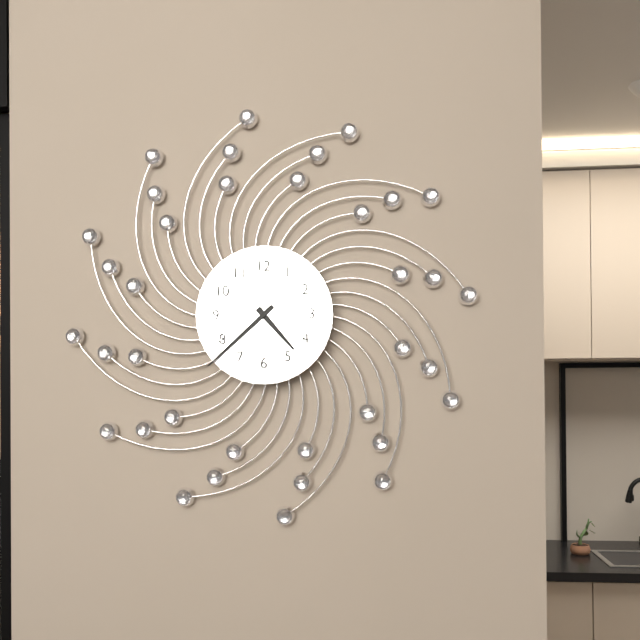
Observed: 4:38
